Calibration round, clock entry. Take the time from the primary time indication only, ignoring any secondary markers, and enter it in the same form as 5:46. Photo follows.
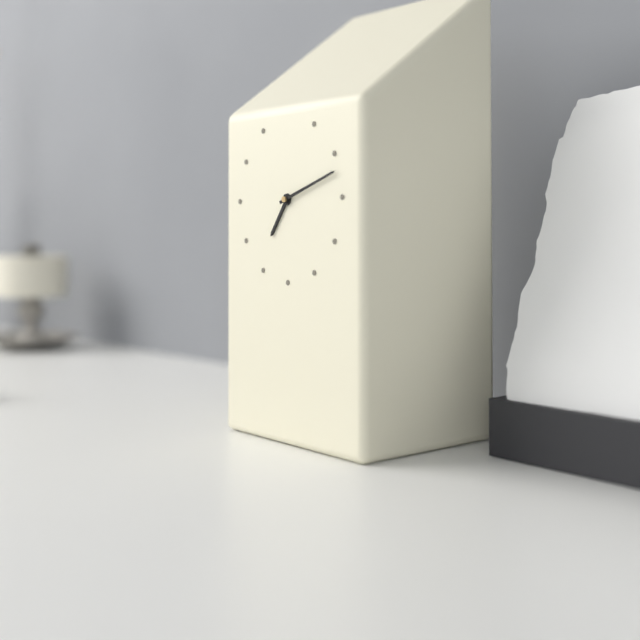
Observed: 7:12
